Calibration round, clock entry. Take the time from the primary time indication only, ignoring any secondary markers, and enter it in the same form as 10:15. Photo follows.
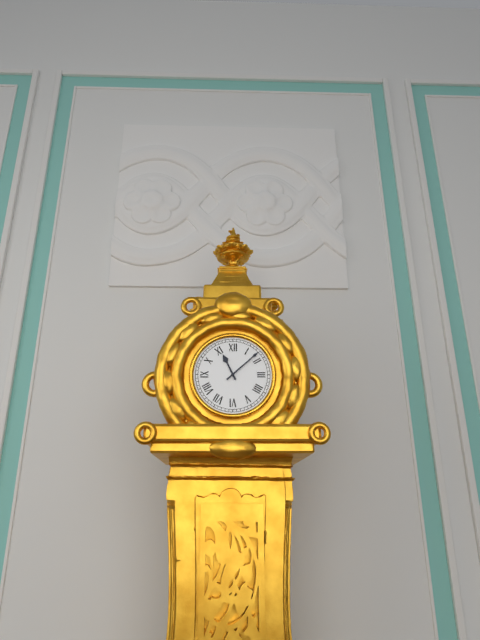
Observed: 11:08
